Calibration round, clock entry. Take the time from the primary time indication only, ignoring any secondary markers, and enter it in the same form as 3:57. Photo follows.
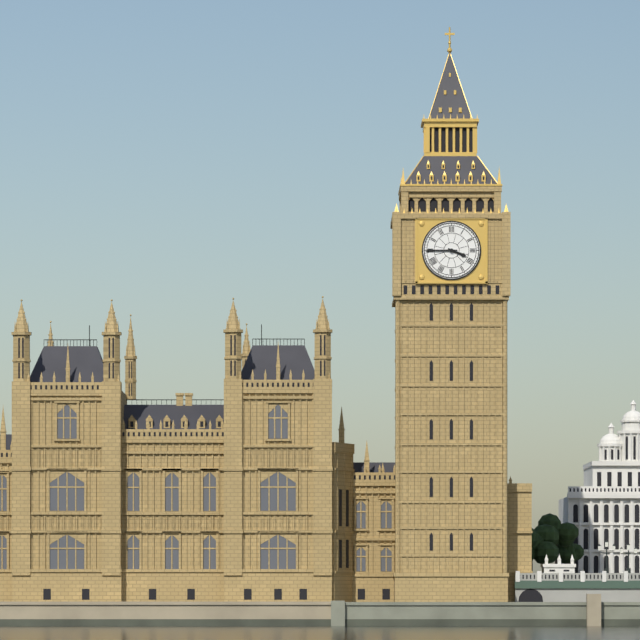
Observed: 3:45
